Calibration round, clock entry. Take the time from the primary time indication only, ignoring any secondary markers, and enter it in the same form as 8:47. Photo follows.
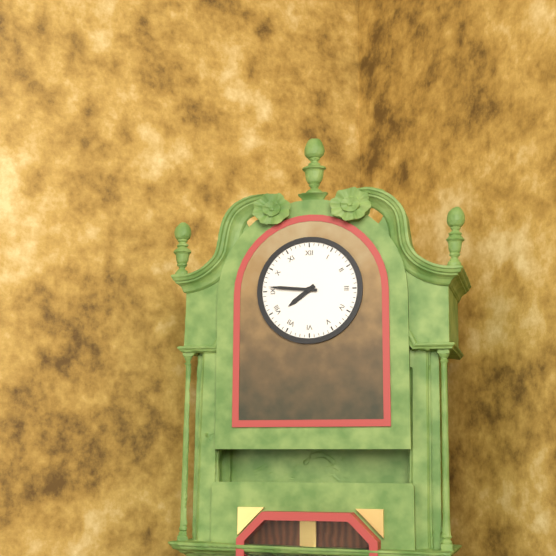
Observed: 7:46
